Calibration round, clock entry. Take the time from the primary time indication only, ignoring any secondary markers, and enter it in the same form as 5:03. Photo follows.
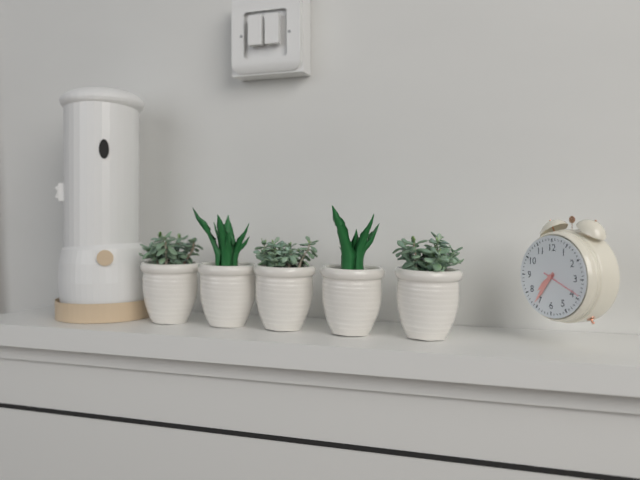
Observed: 7:36
